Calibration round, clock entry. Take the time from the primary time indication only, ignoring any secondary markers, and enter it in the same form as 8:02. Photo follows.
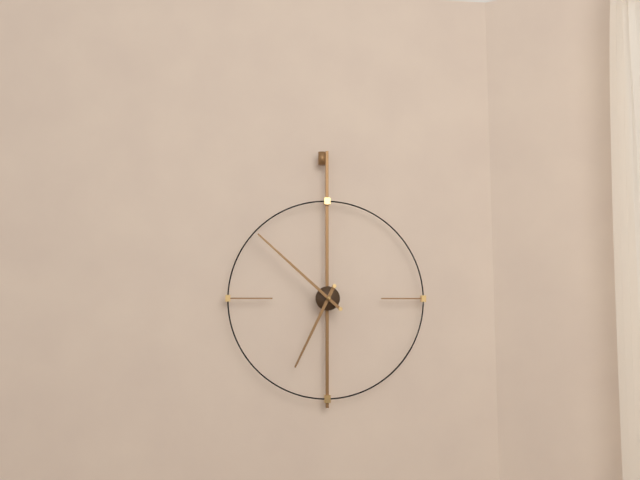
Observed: 6:52
